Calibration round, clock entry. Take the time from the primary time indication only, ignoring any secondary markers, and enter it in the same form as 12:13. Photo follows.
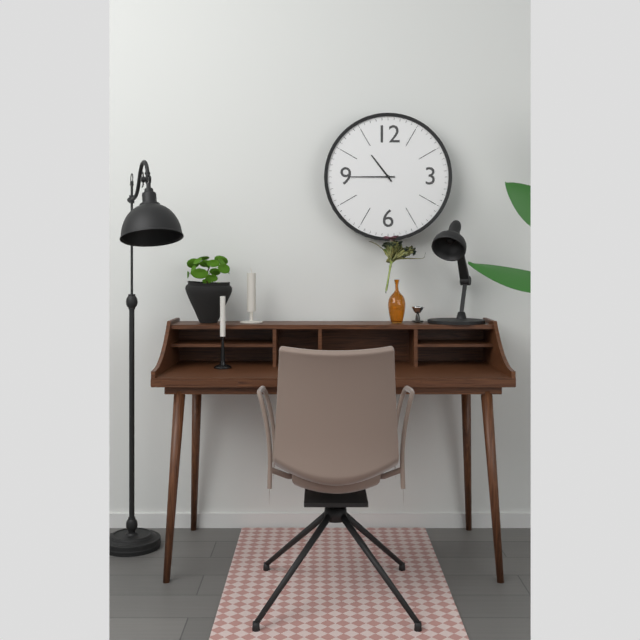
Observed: 10:45
